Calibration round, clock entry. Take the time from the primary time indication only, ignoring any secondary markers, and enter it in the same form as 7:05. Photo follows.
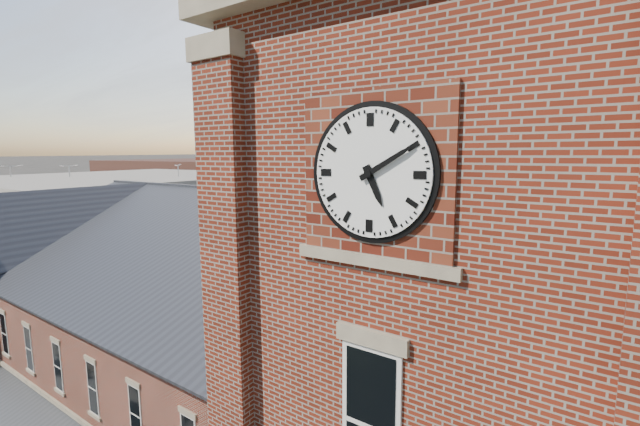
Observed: 5:10
